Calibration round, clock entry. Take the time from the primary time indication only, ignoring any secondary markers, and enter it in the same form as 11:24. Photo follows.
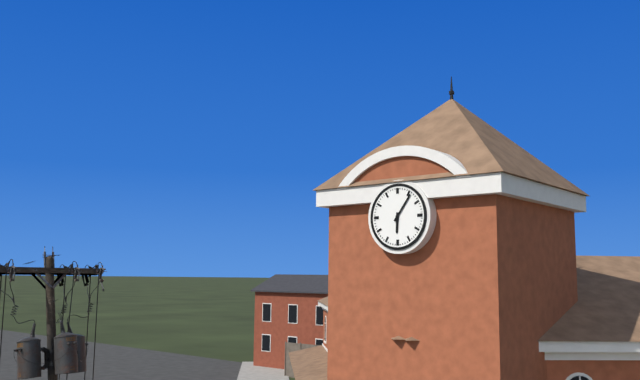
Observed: 6:06
